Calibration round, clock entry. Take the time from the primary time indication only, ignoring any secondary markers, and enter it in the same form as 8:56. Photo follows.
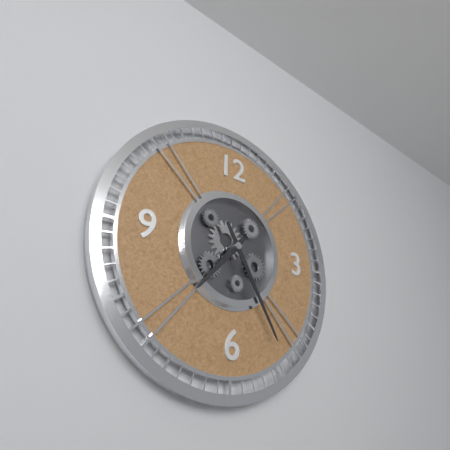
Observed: 7:25
